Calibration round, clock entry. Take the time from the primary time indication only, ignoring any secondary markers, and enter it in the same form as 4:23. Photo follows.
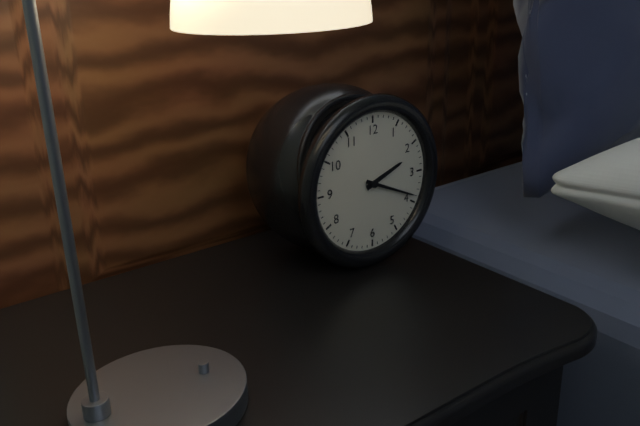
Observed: 2:19
